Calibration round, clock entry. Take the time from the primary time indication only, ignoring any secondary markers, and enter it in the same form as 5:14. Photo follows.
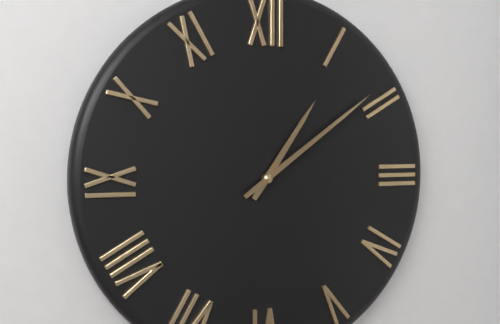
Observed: 1:09
